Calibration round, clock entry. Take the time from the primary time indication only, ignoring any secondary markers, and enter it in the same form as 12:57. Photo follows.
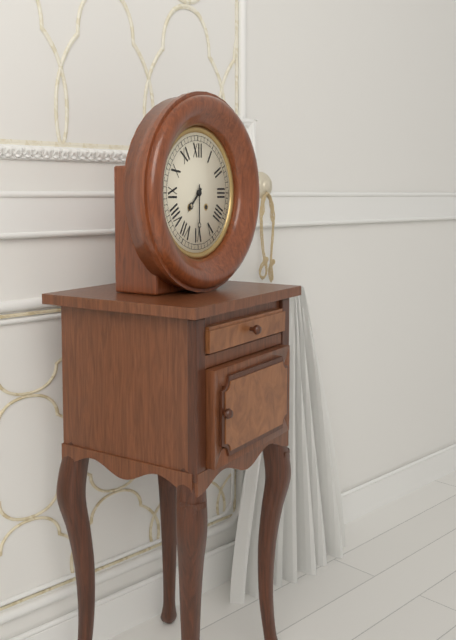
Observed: 7:30
